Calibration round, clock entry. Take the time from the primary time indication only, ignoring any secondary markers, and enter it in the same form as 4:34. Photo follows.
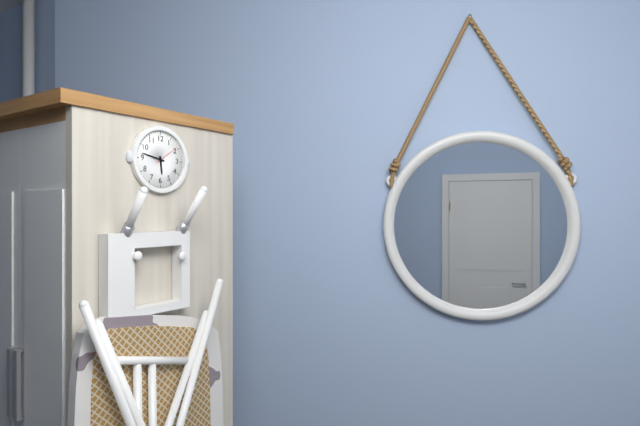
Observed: 5:47
